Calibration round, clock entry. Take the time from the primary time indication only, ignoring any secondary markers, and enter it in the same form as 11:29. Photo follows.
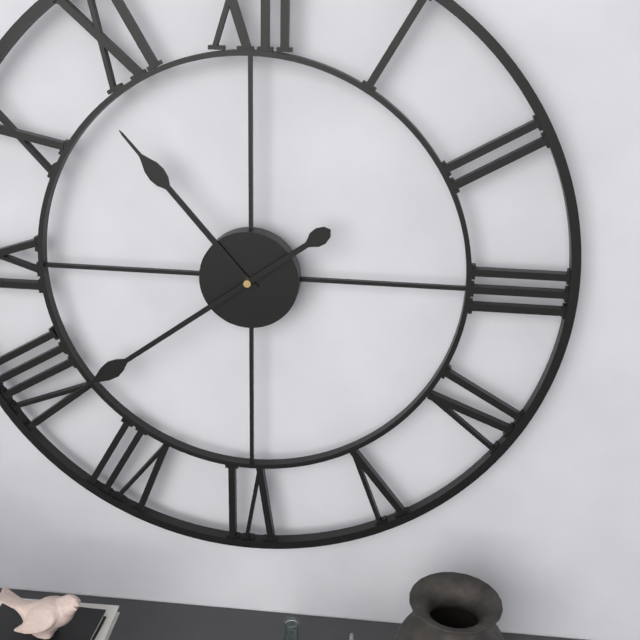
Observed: 10:39
